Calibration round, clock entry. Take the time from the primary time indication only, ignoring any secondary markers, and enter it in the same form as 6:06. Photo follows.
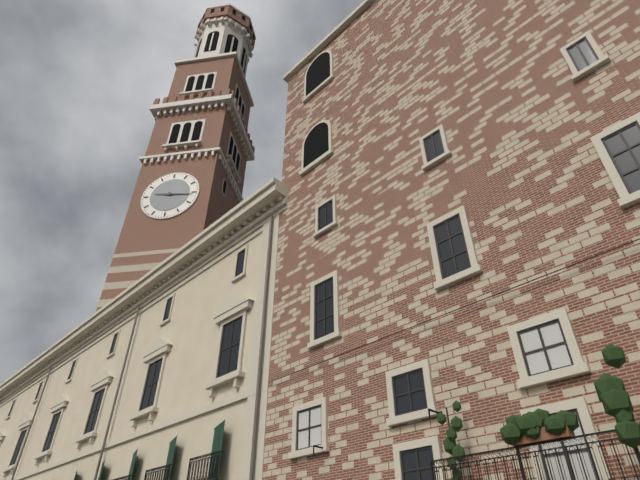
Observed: 9:16
